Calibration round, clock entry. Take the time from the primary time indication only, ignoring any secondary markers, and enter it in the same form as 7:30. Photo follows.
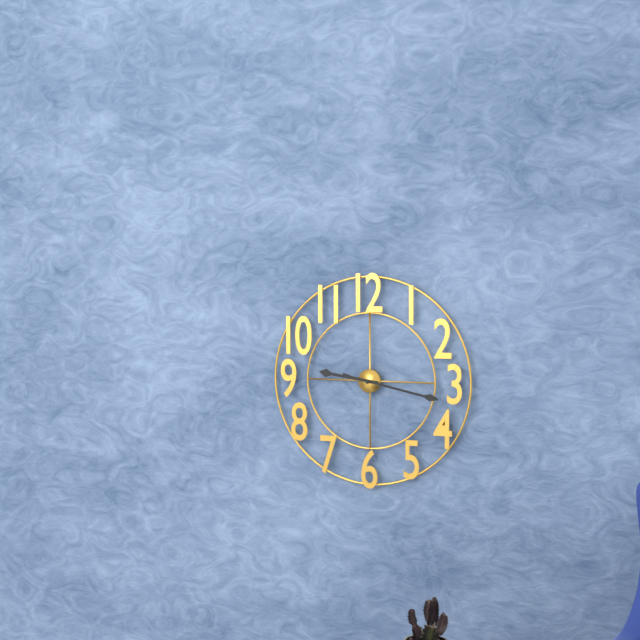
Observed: 9:17
